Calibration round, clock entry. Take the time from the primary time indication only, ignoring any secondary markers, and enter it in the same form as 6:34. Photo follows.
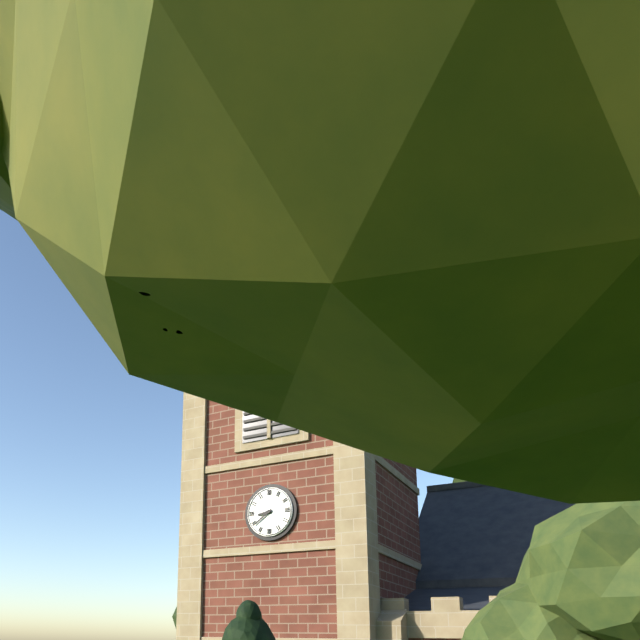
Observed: 8:39
